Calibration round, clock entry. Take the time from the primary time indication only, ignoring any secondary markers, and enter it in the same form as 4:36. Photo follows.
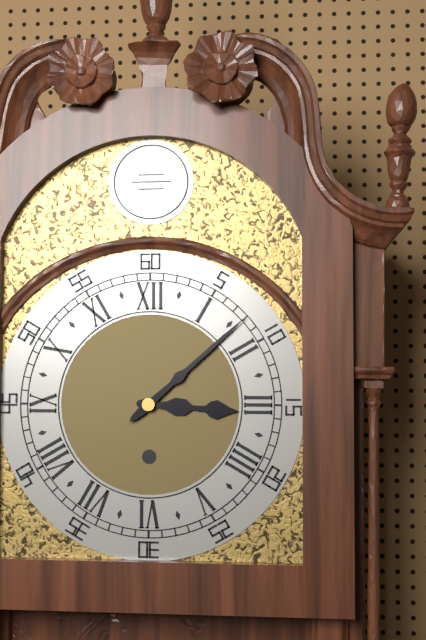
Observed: 3:08
